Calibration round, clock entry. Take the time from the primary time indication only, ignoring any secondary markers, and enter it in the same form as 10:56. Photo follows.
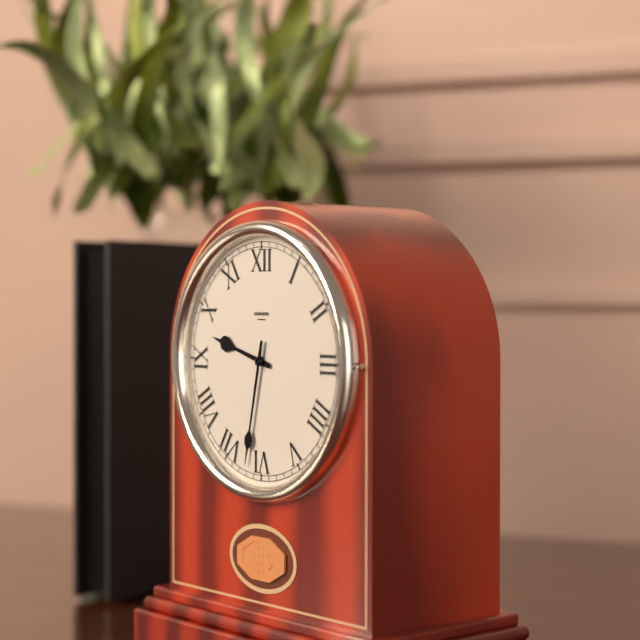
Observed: 9:32
